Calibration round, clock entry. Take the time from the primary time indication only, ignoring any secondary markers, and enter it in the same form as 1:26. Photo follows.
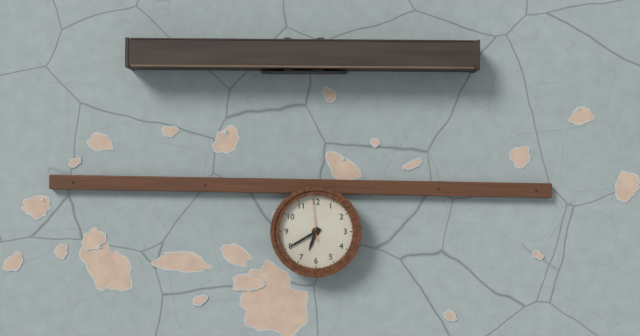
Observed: 6:40
